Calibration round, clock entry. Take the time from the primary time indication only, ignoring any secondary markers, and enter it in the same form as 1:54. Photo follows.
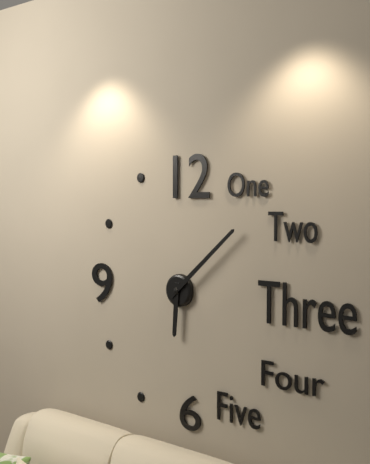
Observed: 6:08
